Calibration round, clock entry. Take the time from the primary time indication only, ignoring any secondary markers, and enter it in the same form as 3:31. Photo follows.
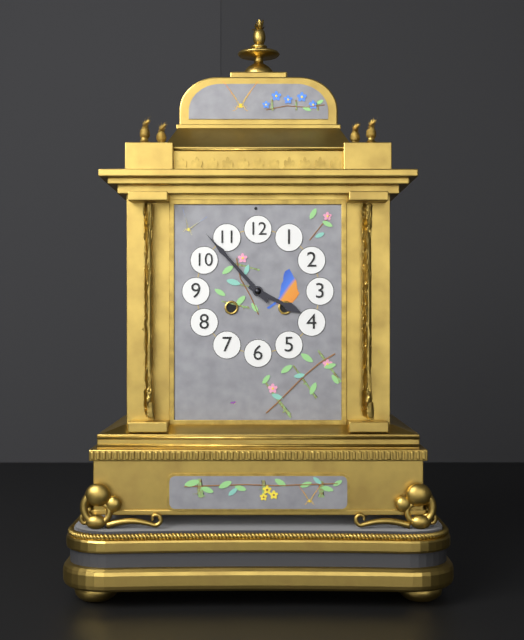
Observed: 3:53
